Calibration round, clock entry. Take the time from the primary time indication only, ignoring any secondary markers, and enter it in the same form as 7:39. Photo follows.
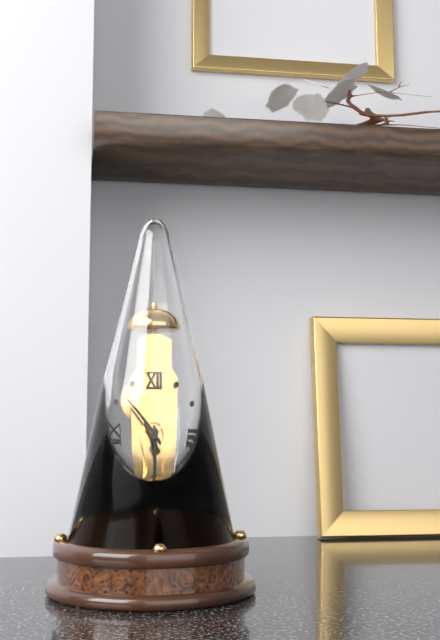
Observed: 5:52
